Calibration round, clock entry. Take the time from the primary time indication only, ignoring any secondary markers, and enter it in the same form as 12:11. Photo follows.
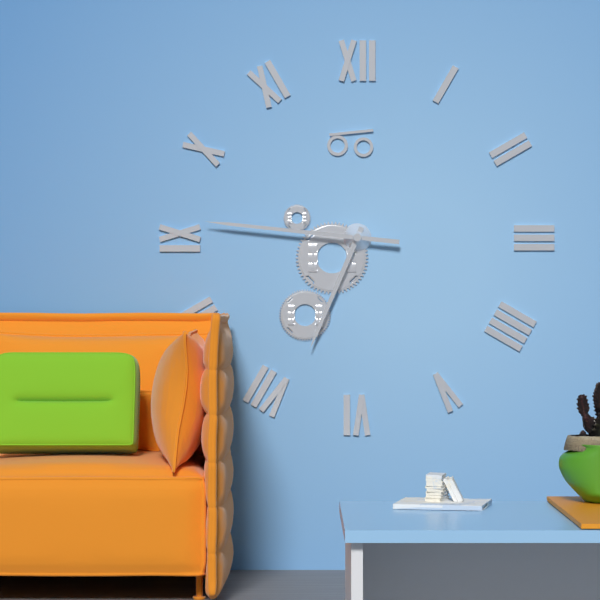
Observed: 6:46
